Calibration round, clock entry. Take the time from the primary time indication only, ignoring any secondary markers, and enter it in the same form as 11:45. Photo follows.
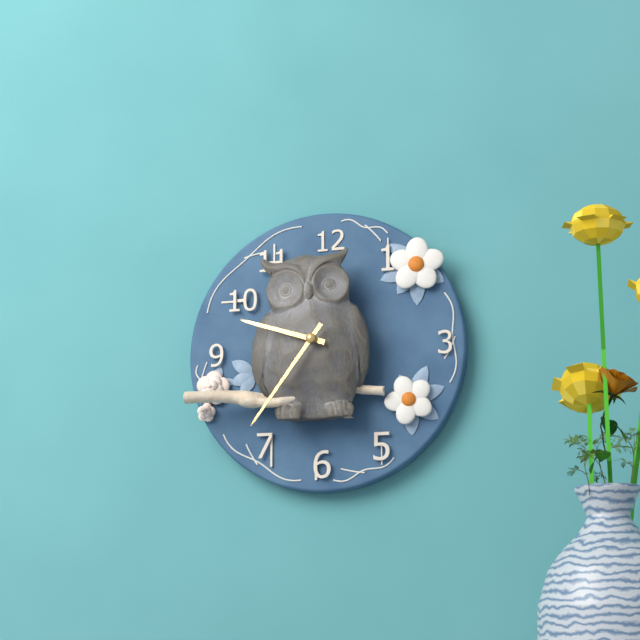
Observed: 9:36
